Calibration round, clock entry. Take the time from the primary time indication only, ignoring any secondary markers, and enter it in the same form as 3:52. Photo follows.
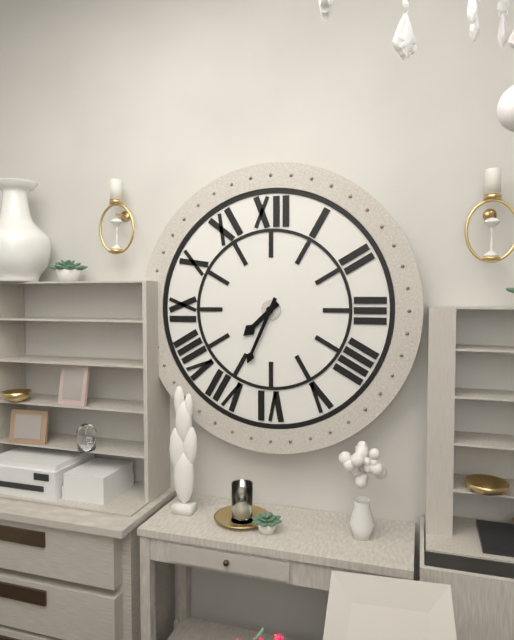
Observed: 7:34
